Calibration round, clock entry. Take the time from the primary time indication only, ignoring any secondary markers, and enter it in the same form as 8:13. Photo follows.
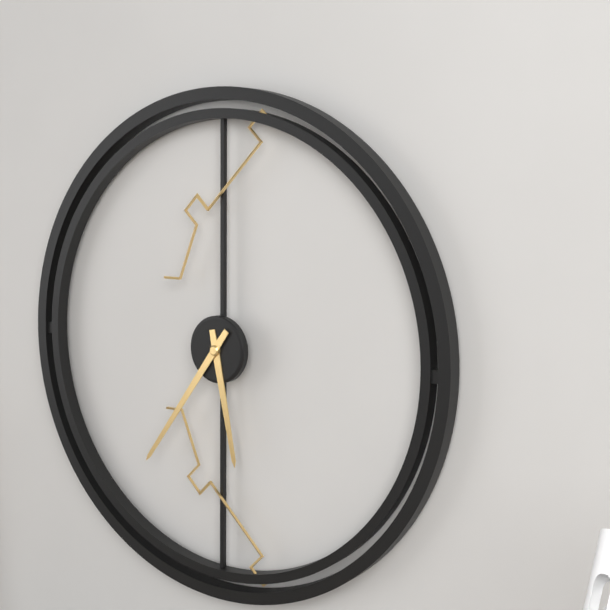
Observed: 5:36
